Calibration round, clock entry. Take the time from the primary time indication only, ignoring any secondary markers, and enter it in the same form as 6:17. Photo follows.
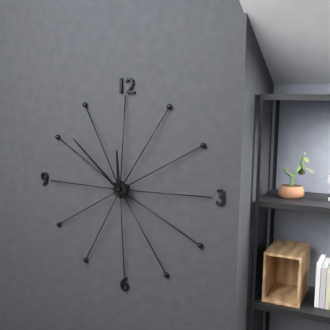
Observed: 11:52
